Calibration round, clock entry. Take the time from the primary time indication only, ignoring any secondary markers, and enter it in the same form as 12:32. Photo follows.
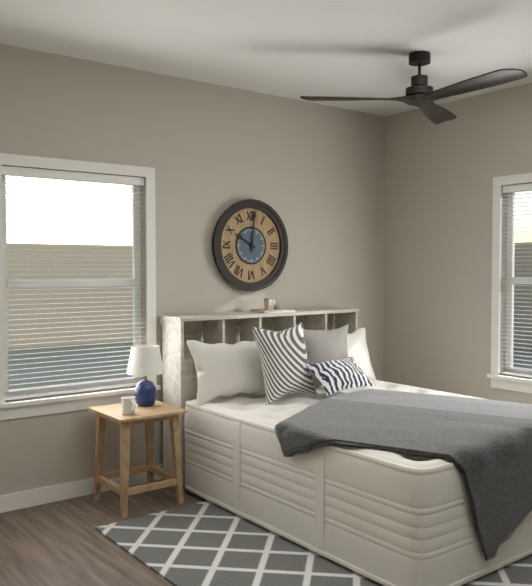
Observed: 10:01
